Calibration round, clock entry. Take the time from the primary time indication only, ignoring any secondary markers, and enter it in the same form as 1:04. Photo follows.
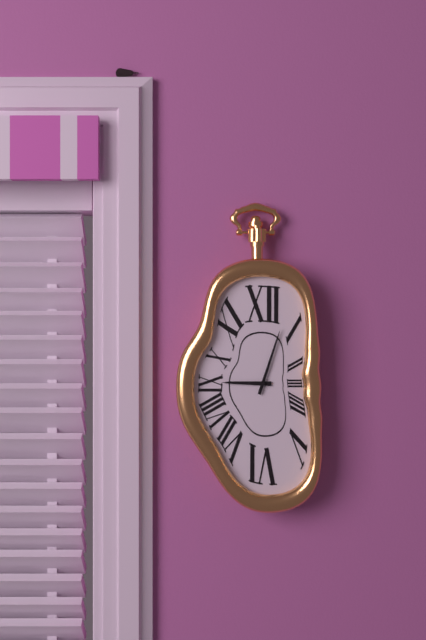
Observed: 9:03
